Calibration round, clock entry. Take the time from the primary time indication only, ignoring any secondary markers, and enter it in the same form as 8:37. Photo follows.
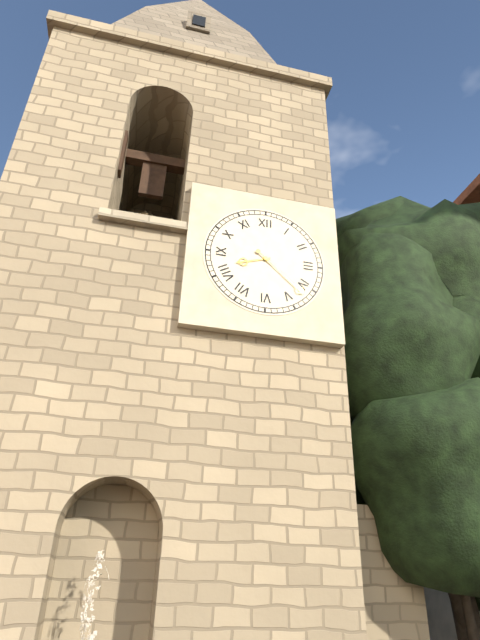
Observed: 8:22
